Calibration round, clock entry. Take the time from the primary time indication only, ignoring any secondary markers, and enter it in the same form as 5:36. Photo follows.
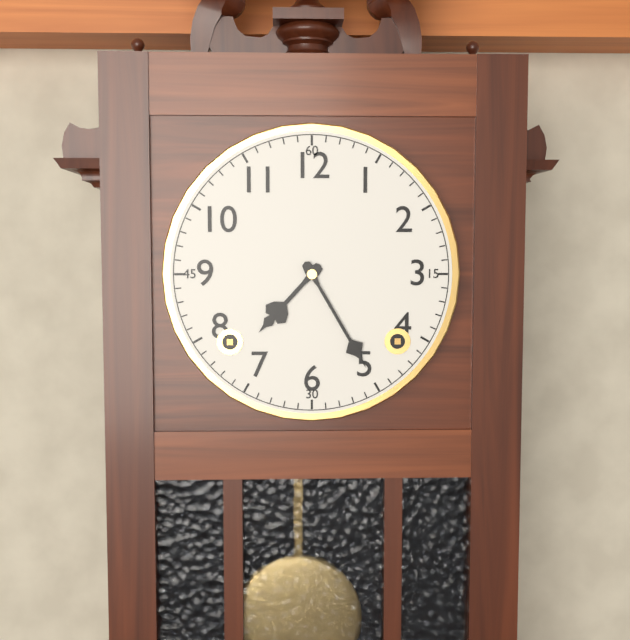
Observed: 7:25
